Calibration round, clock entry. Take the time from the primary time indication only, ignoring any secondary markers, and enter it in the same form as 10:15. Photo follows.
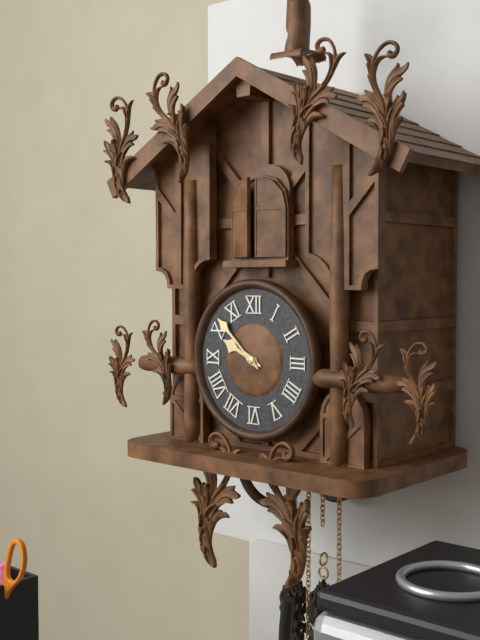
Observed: 9:52
